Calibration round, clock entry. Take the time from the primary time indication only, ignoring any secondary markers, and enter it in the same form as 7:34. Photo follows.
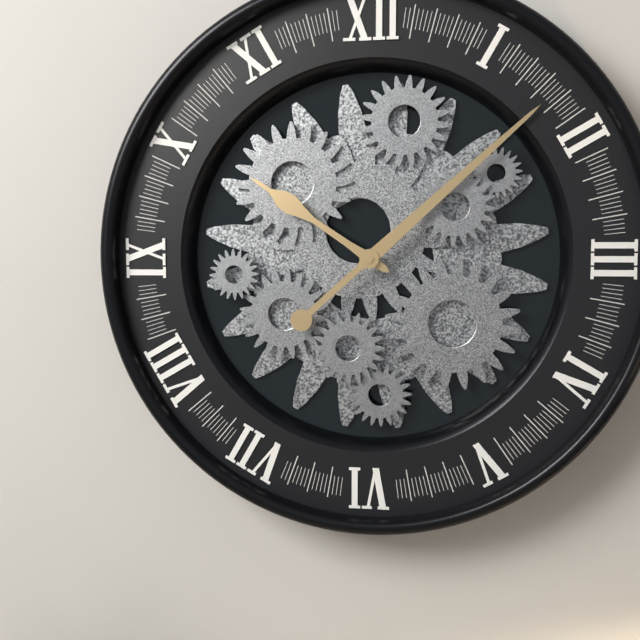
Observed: 10:08
